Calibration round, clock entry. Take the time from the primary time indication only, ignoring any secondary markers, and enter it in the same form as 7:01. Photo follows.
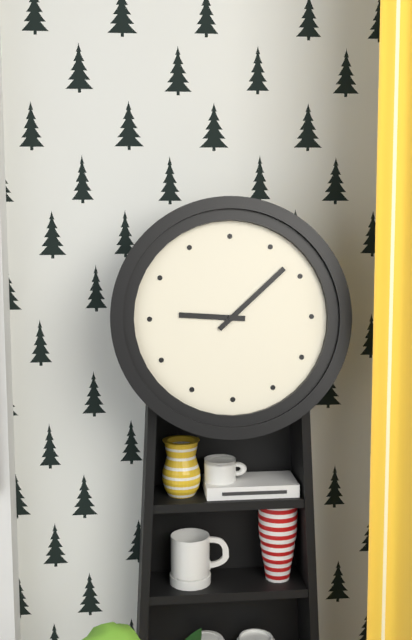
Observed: 9:08
